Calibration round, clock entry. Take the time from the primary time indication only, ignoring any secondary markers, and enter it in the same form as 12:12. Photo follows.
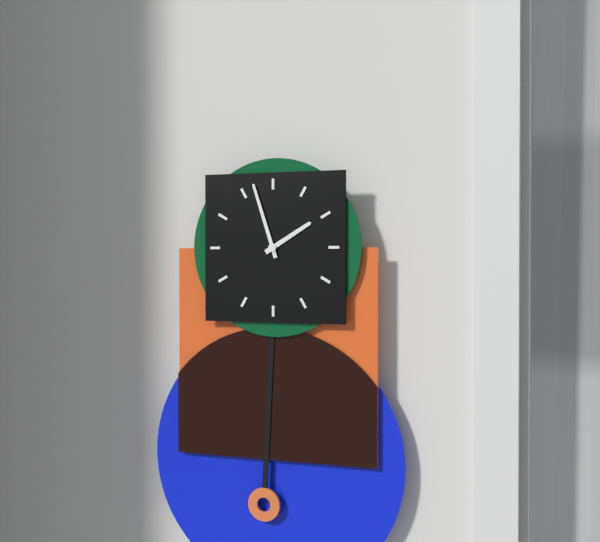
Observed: 1:57
